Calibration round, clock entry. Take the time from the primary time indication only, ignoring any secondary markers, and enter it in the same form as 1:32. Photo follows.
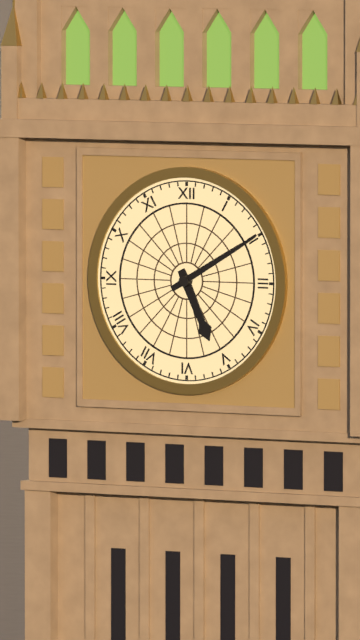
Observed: 5:10
